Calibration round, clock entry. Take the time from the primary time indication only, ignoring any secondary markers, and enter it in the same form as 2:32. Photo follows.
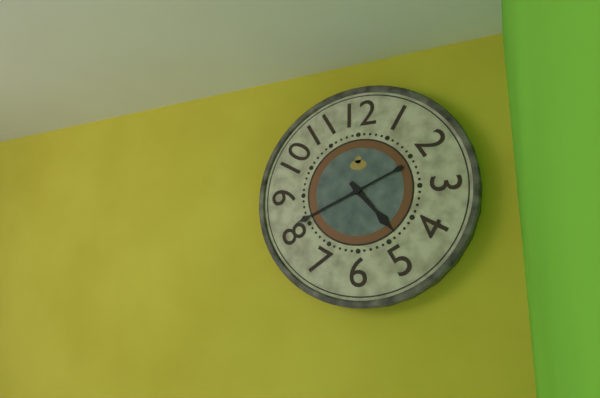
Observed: 4:41
